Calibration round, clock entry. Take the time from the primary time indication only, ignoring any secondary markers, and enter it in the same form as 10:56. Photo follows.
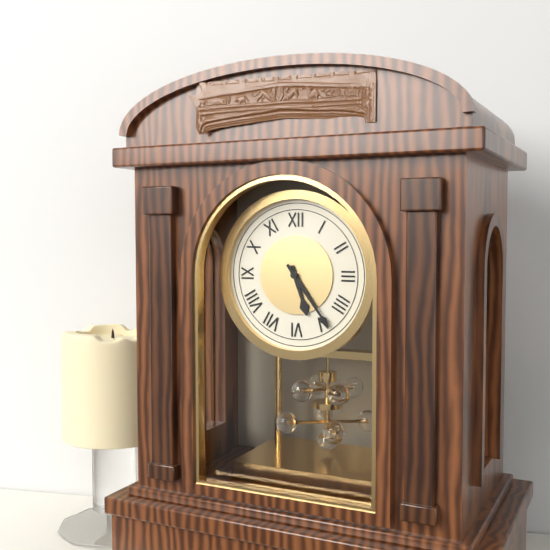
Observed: 5:24
